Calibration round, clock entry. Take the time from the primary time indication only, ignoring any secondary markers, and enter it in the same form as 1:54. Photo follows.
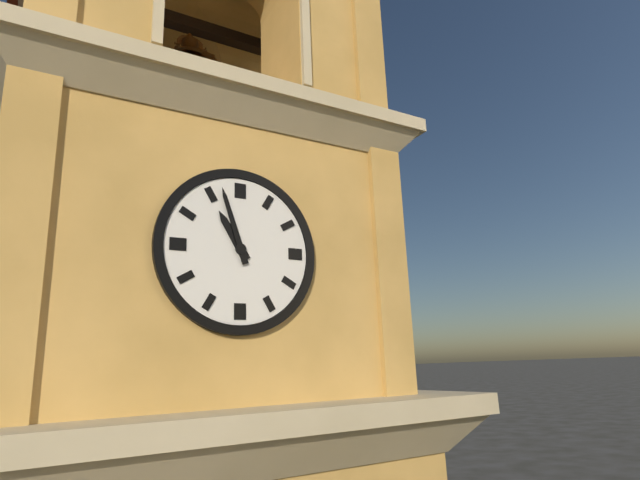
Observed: 10:57
